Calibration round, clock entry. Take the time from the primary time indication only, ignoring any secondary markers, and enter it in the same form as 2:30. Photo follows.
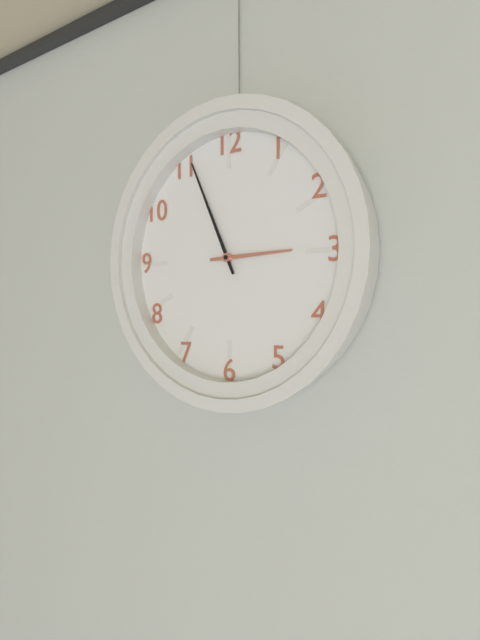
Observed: 2:56
